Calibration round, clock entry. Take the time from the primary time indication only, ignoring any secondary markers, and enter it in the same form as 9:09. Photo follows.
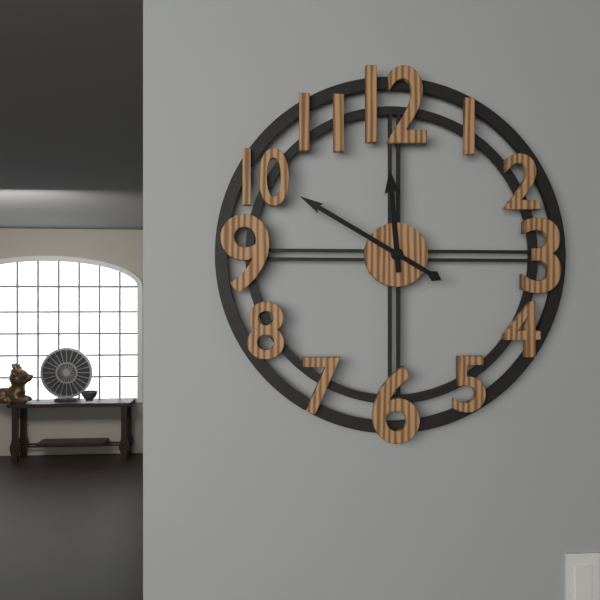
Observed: 11:50
